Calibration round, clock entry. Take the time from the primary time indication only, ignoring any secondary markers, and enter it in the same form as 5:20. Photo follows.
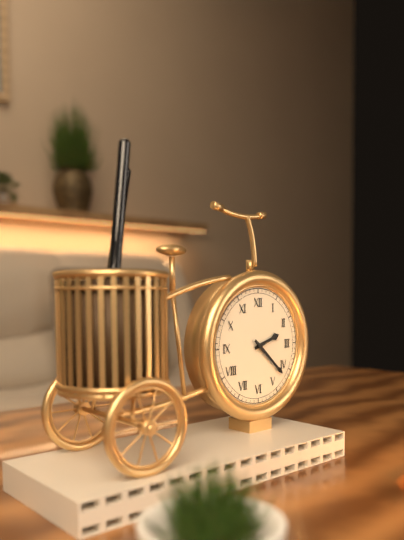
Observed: 2:22
